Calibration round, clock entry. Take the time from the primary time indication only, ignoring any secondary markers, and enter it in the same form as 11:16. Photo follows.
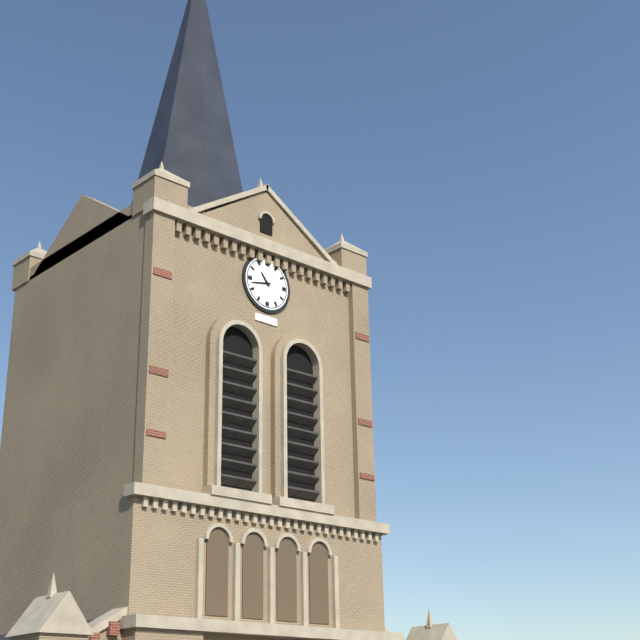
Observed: 10:43
